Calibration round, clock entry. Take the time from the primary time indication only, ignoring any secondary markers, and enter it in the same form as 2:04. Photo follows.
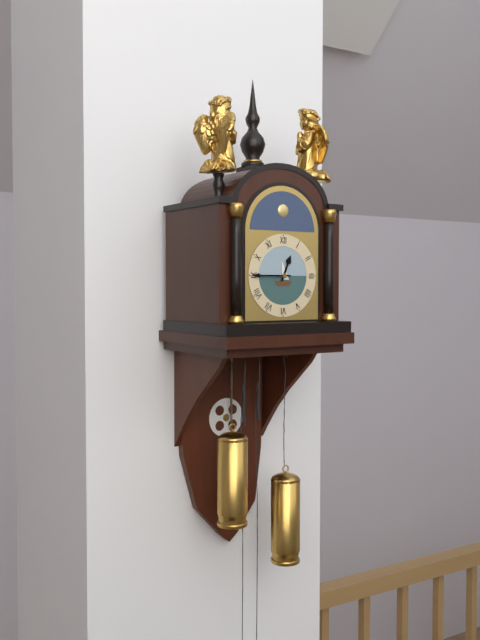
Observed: 12:45
